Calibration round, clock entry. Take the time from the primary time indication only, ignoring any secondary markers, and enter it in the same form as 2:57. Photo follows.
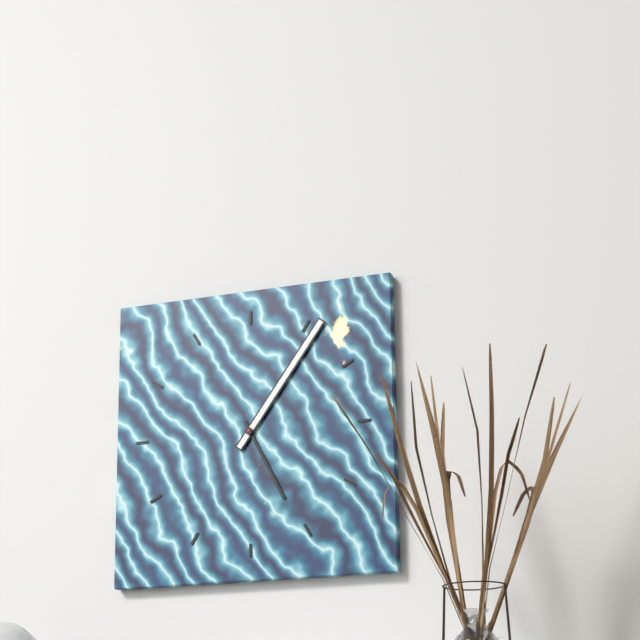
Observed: 5:06
